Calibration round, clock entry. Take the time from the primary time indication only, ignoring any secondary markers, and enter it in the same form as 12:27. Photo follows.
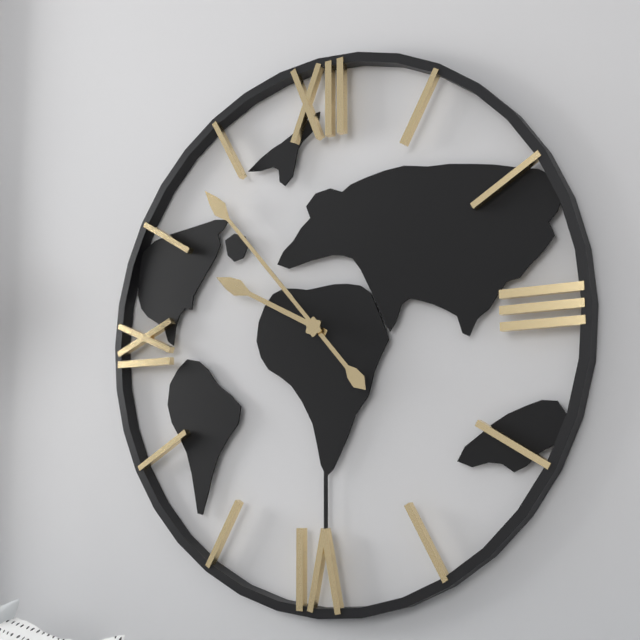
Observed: 9:53
